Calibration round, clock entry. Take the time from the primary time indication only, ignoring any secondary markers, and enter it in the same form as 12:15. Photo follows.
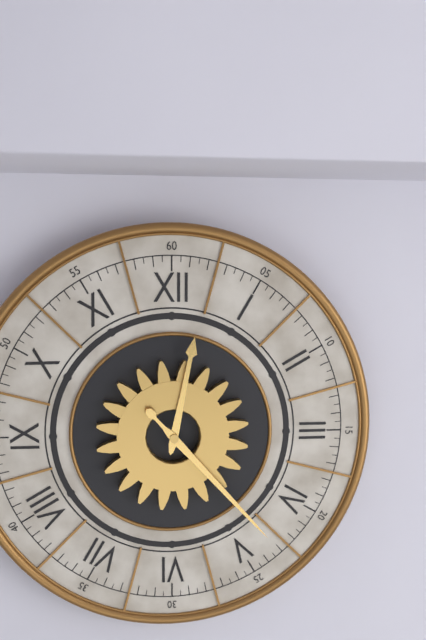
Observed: 12:23
